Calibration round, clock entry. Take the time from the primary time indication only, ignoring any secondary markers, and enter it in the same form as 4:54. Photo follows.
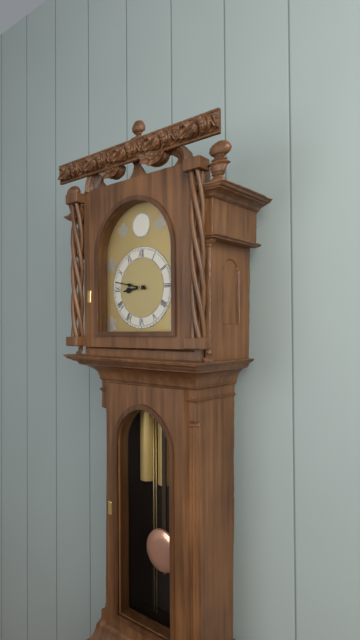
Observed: 8:47
